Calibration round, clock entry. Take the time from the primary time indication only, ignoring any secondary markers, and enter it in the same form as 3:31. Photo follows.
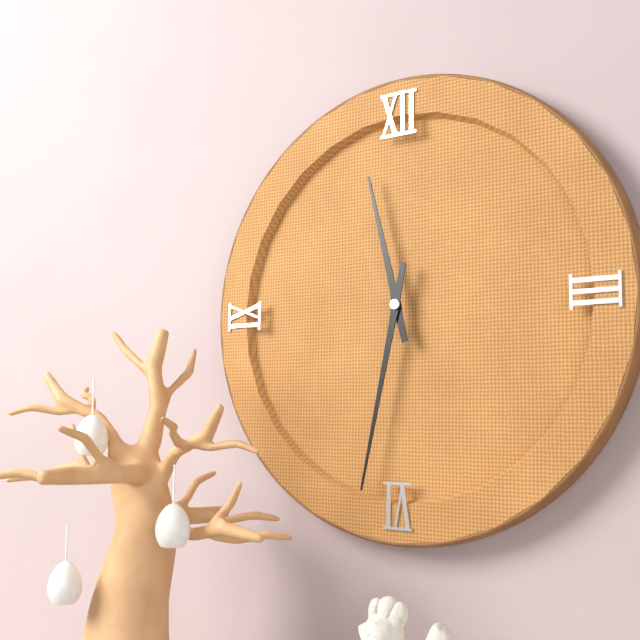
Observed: 11:32
